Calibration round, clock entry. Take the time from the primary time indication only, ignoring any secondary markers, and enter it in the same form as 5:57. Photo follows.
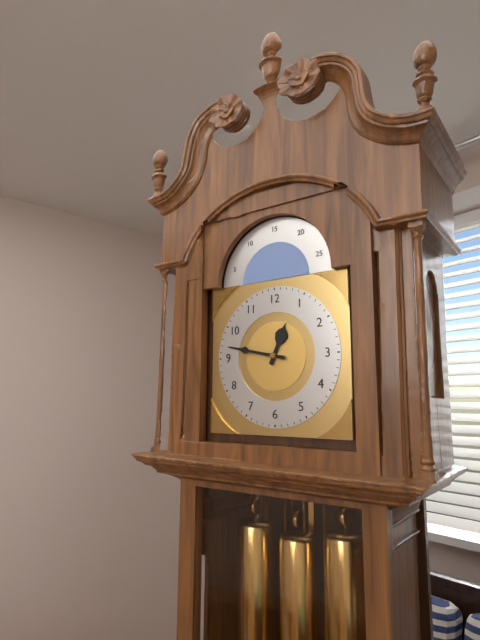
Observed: 12:47
